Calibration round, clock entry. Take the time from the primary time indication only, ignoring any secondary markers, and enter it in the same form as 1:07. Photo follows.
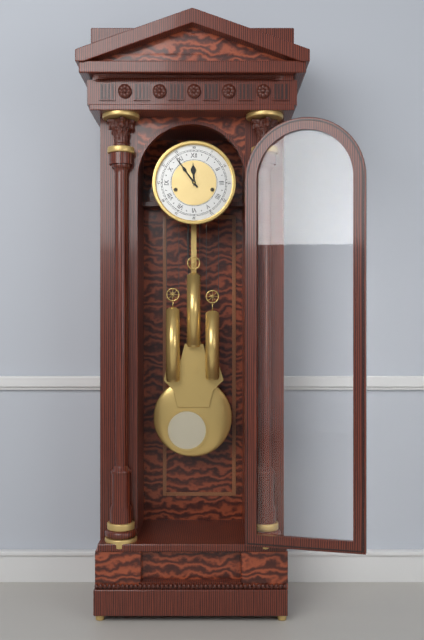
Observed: 11:54
